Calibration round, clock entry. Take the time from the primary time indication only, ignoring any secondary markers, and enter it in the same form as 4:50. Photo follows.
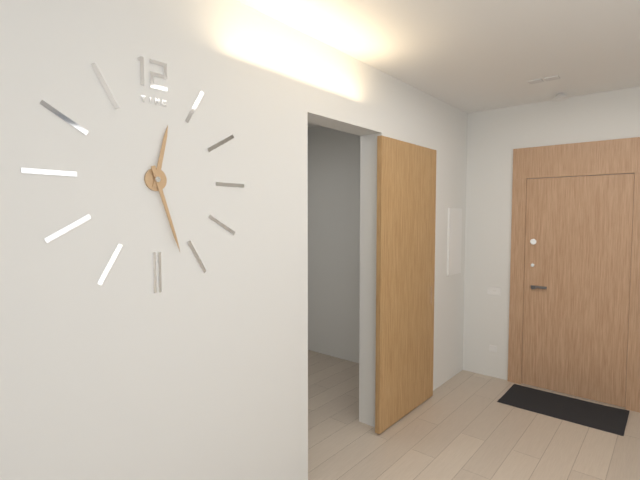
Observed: 12:27
